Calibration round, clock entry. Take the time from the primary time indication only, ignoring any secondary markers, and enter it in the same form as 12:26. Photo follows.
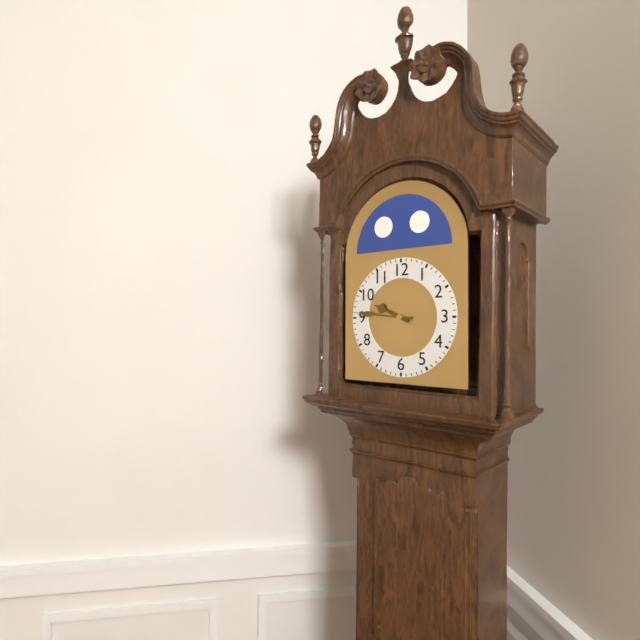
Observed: 9:46
